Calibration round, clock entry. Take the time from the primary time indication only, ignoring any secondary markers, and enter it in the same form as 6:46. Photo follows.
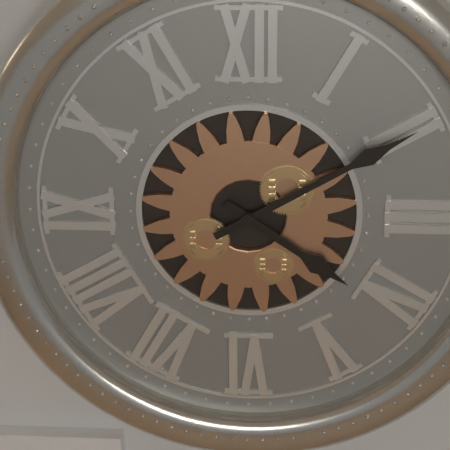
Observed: 4:10
